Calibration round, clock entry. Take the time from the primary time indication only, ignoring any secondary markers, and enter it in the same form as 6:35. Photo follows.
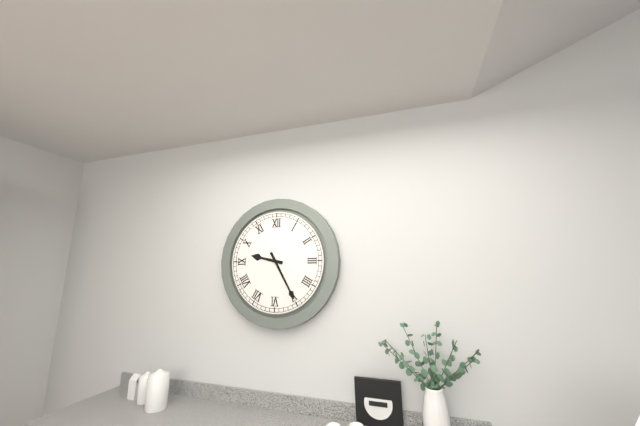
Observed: 9:25
